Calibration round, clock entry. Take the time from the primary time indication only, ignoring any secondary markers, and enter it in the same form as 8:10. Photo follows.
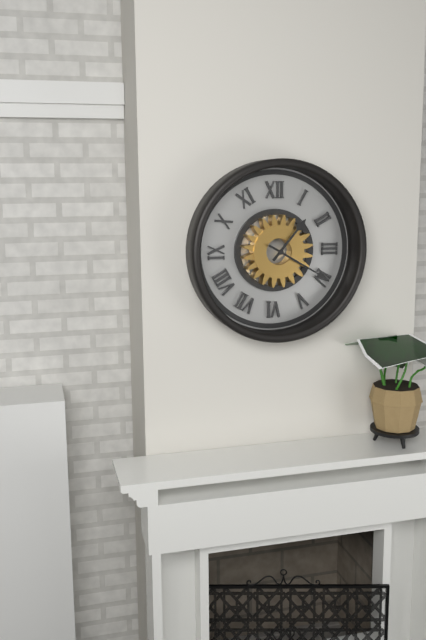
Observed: 1:20
